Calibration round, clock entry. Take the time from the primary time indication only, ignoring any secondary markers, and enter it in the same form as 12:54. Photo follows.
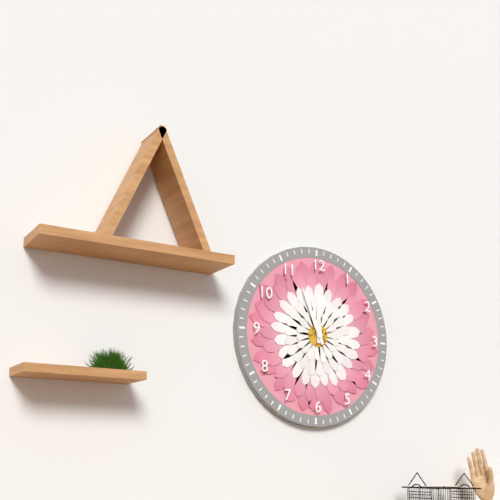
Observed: 11:56
